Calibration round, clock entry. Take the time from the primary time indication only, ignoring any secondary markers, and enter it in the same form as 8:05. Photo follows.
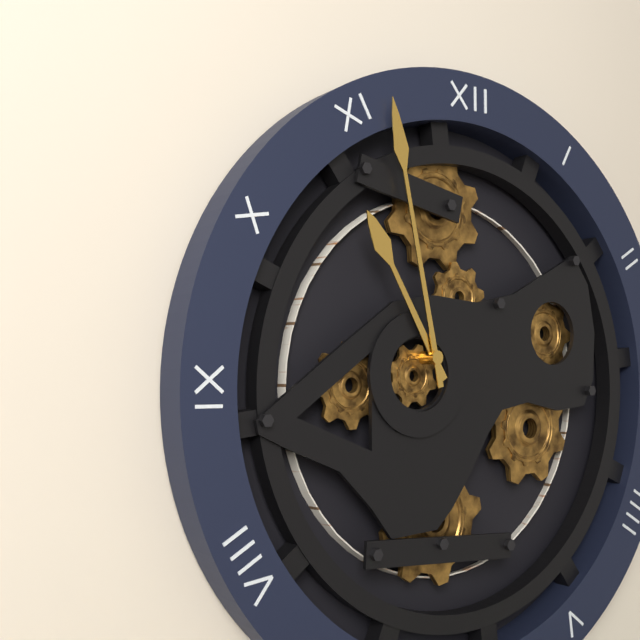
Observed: 10:58
